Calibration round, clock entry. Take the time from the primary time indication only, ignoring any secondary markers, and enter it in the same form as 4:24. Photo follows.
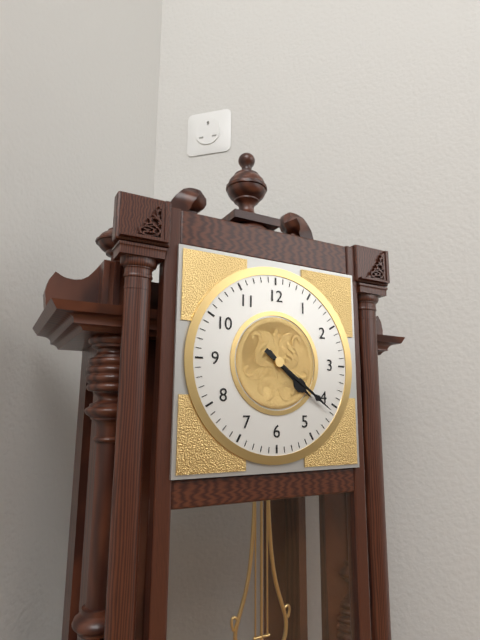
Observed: 4:21
